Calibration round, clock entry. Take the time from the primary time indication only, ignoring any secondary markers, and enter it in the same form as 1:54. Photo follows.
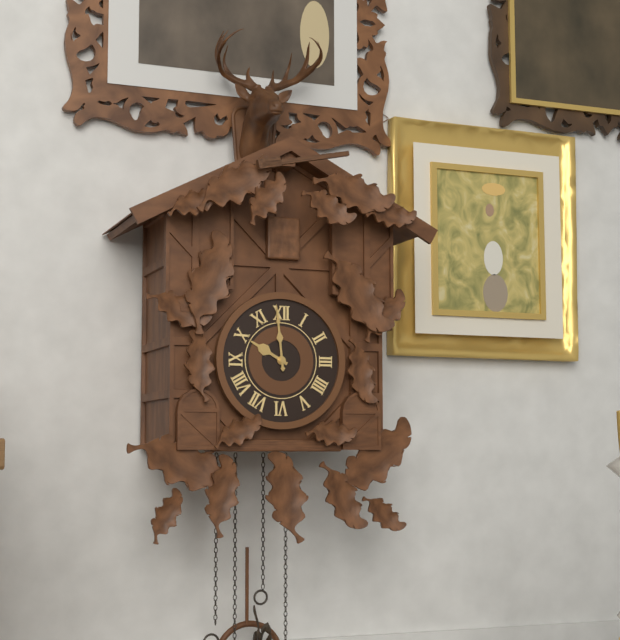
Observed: 9:59
